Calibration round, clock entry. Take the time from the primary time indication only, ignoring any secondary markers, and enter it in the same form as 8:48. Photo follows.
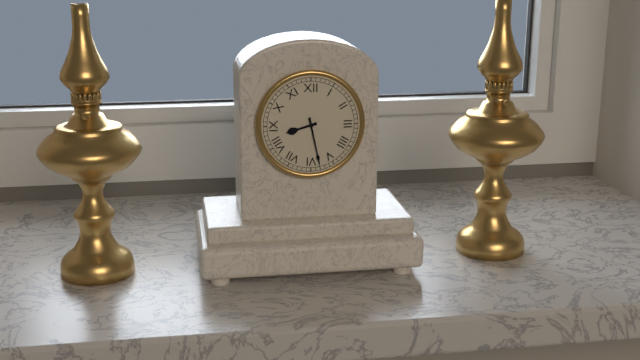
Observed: 8:28
